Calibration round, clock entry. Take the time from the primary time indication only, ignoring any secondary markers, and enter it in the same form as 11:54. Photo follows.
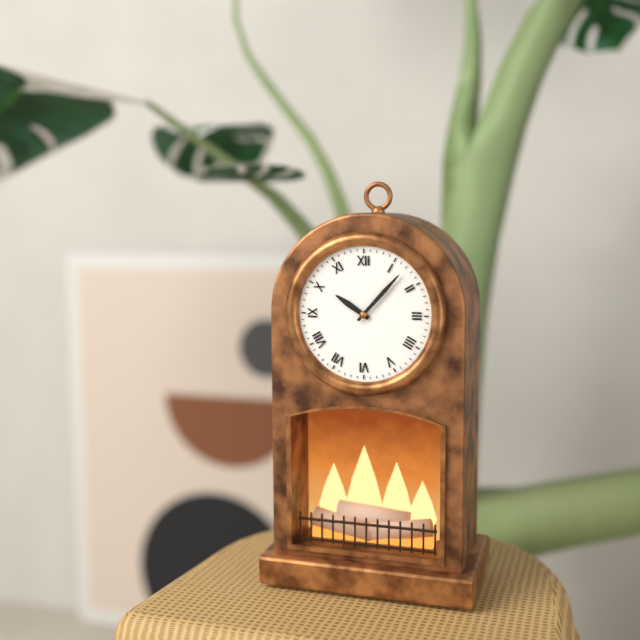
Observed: 10:07
